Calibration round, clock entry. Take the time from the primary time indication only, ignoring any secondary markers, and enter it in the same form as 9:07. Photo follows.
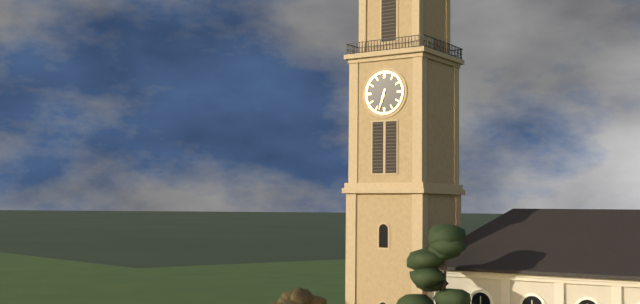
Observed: 6:33
